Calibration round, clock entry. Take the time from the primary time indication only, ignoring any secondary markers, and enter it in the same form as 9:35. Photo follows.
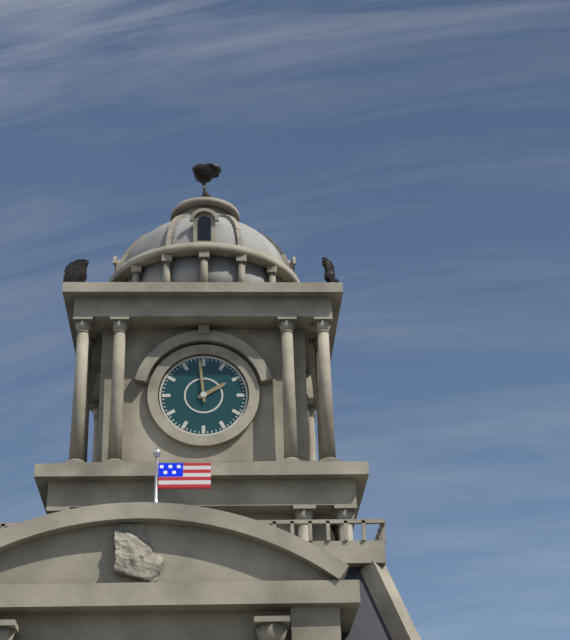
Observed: 1:59
